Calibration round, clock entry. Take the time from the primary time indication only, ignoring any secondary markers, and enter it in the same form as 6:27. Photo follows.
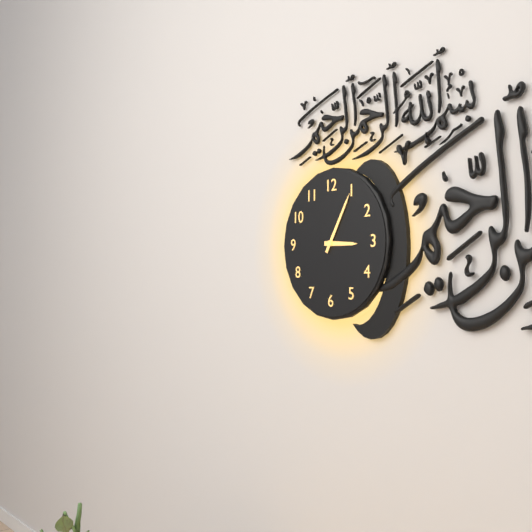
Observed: 3:05
